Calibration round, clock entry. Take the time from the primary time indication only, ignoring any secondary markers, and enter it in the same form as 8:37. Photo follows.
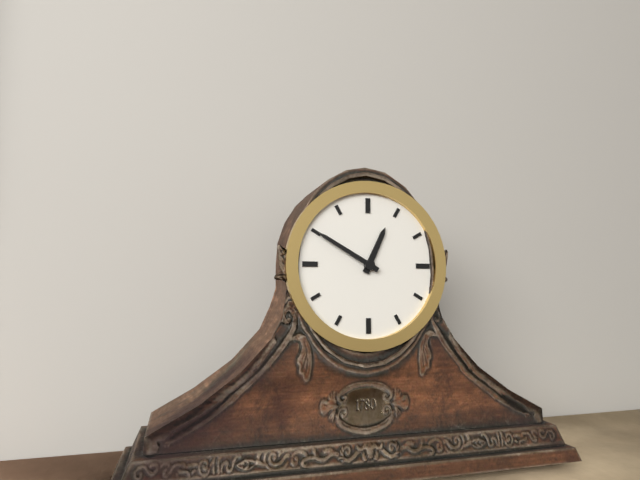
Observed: 12:50
